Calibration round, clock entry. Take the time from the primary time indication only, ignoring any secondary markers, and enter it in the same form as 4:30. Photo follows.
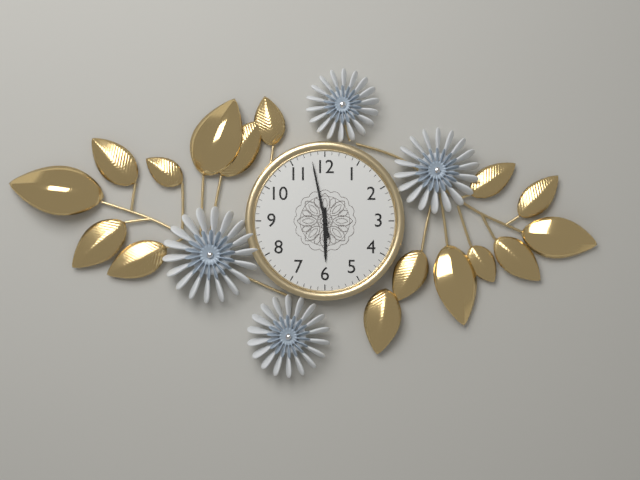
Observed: 5:58
